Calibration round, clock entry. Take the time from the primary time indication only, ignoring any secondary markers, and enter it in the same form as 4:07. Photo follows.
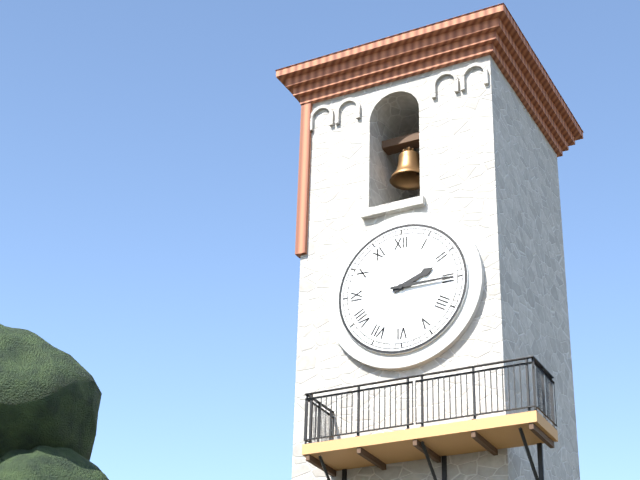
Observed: 2:15
